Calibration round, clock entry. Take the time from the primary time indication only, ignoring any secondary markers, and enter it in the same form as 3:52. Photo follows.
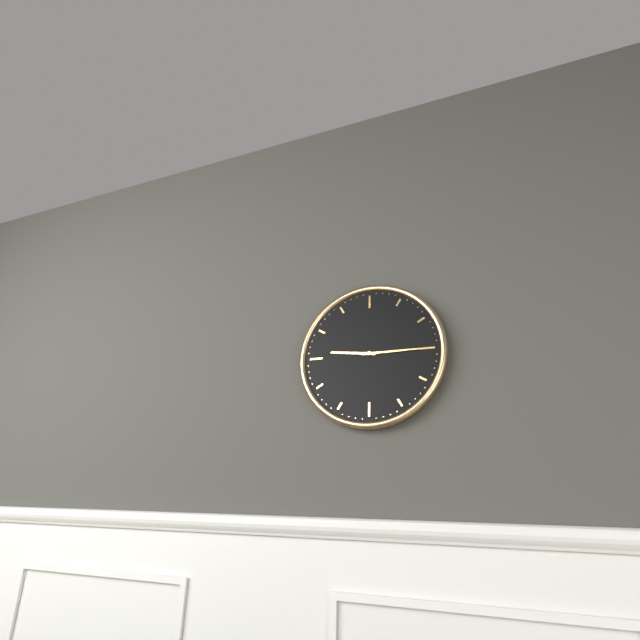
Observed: 9:15
